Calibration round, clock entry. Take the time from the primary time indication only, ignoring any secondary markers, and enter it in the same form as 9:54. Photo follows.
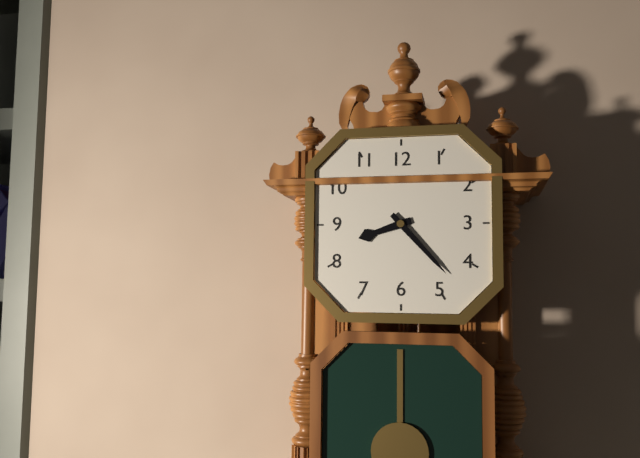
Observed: 8:23
